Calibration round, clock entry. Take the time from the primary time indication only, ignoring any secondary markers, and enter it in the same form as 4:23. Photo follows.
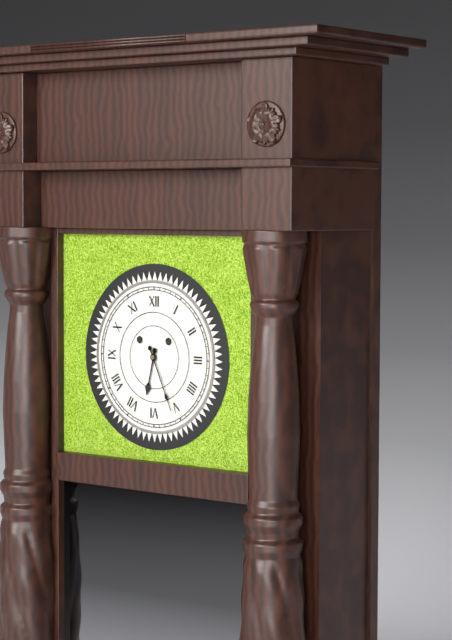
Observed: 6:26
